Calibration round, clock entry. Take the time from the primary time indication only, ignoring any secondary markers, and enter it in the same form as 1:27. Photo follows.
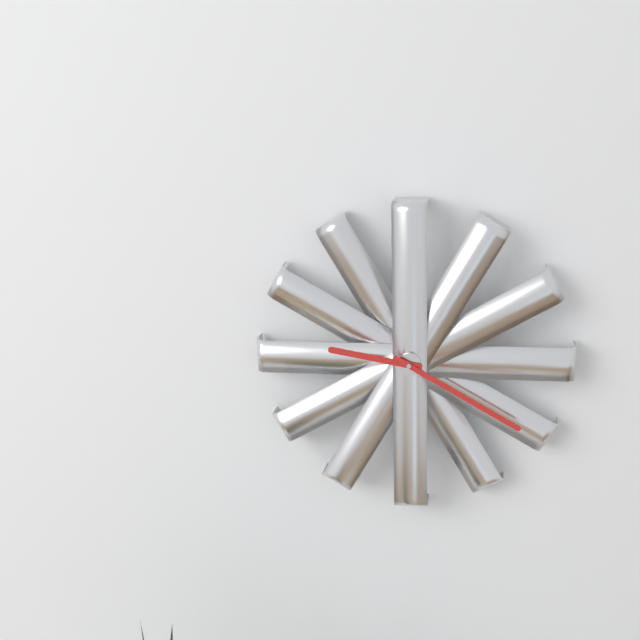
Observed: 9:20
